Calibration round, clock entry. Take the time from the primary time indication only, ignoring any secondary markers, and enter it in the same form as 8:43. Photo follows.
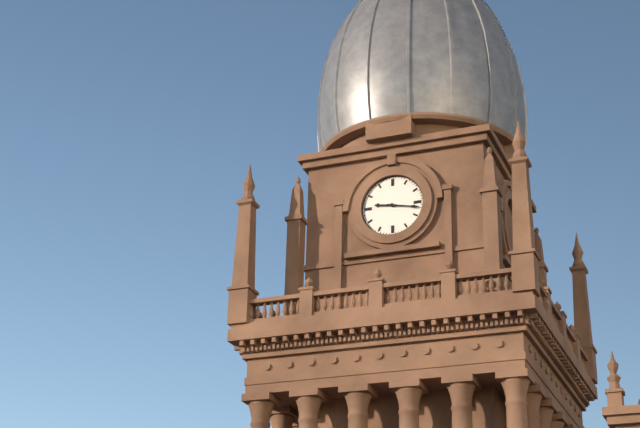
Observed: 9:17
